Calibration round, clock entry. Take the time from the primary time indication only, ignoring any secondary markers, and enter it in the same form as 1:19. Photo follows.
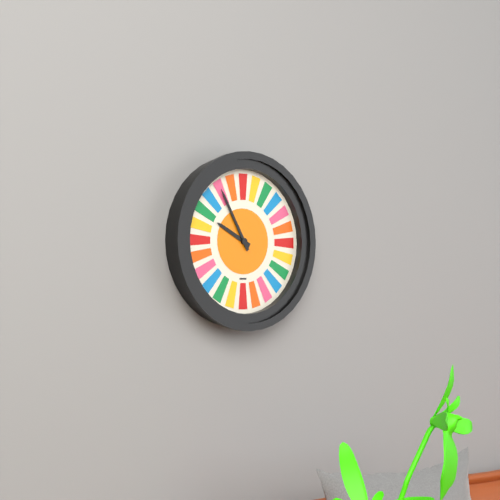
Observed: 9:55
